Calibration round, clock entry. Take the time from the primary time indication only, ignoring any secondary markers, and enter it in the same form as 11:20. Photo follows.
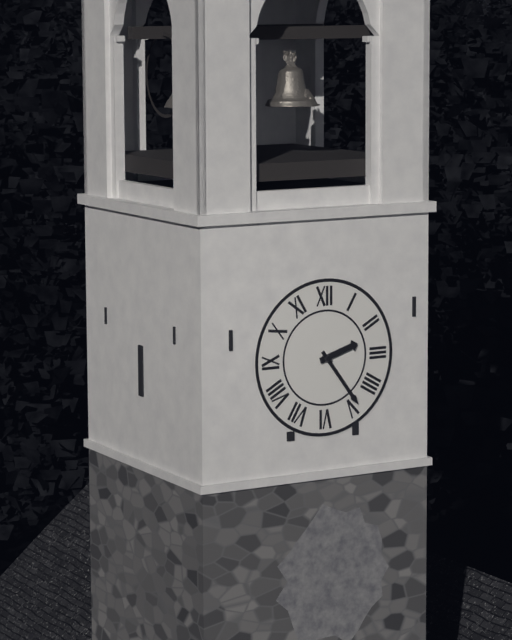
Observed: 2:24
